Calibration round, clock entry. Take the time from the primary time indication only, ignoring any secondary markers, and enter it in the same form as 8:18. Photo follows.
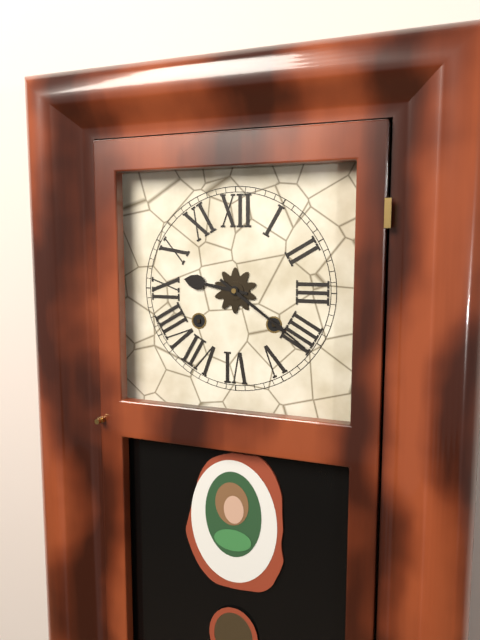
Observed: 9:21
